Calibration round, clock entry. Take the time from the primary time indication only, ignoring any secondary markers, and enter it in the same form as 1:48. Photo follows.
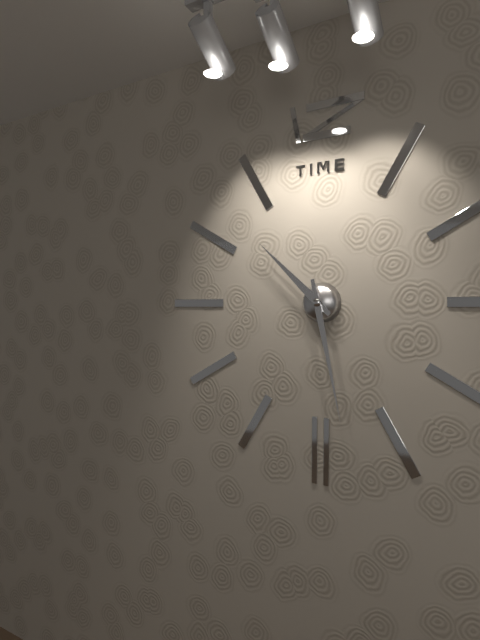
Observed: 10:28
